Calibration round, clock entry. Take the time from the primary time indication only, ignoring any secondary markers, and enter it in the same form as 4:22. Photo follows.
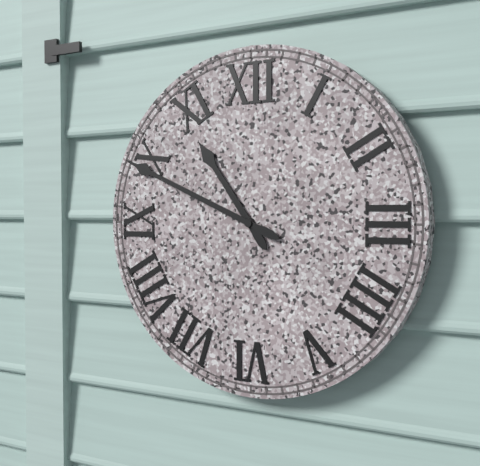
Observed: 10:49
